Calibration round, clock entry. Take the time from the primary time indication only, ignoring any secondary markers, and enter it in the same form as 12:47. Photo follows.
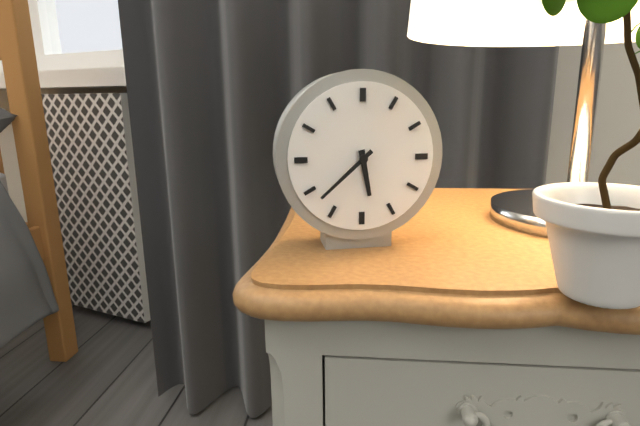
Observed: 5:38
